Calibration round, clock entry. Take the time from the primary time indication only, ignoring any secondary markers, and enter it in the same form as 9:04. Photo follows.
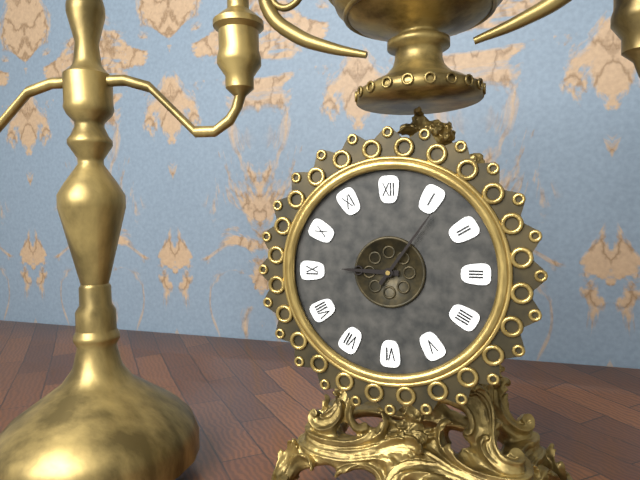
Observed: 9:06
